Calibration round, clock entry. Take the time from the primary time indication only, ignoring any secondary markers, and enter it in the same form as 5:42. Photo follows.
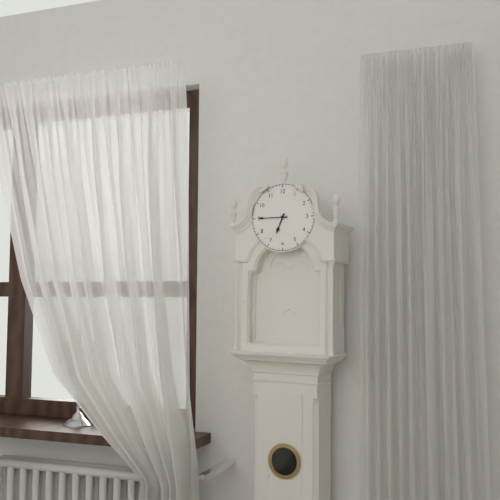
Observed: 6:45
